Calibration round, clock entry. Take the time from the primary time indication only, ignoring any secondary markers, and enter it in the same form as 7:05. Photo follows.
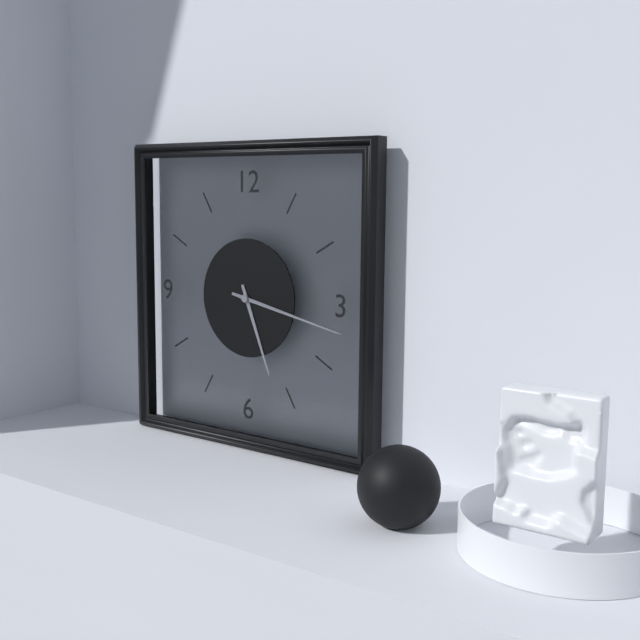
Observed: 5:17
